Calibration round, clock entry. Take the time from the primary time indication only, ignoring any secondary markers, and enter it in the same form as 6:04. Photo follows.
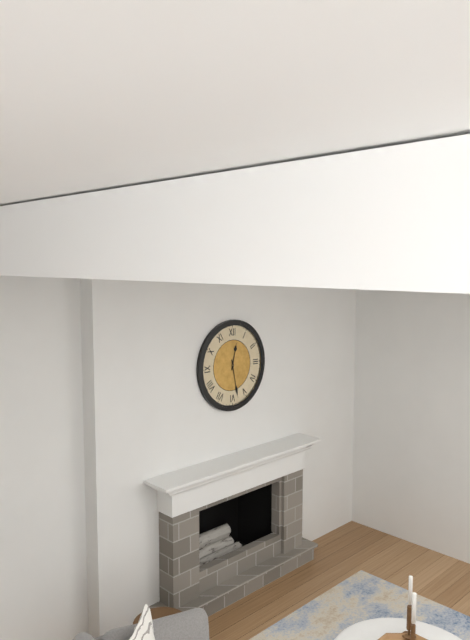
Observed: 12:28
